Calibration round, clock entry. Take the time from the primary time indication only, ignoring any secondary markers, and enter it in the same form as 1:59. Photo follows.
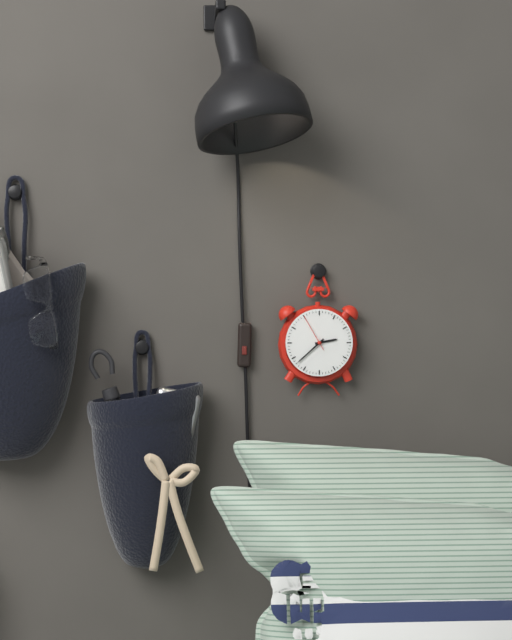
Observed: 2:38
